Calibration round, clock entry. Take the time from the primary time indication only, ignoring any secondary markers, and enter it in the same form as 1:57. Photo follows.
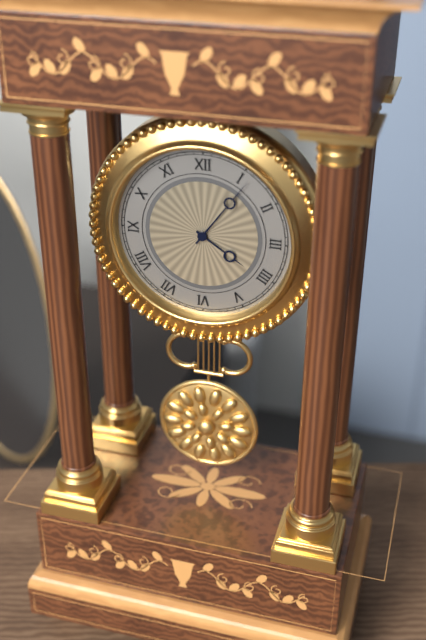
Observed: 4:06
